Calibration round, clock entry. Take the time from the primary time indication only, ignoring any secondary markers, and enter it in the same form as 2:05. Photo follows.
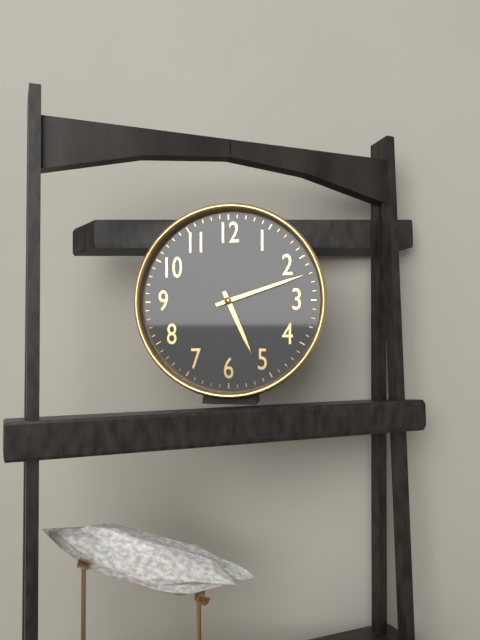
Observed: 5:12
